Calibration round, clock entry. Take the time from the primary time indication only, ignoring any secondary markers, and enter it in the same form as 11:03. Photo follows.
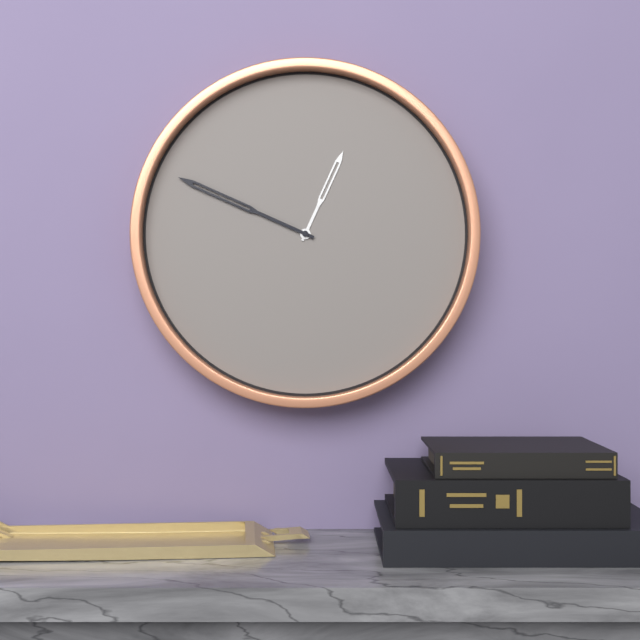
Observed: 12:49
